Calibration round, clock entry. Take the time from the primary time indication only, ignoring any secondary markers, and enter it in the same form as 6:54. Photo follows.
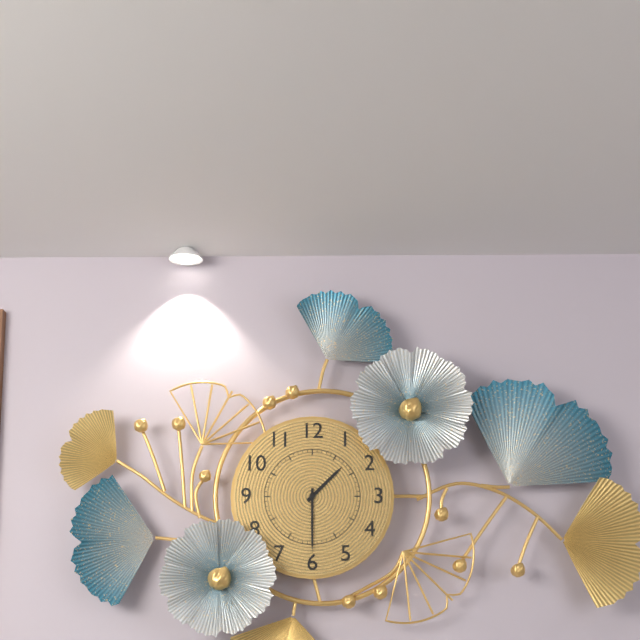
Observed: 1:30
